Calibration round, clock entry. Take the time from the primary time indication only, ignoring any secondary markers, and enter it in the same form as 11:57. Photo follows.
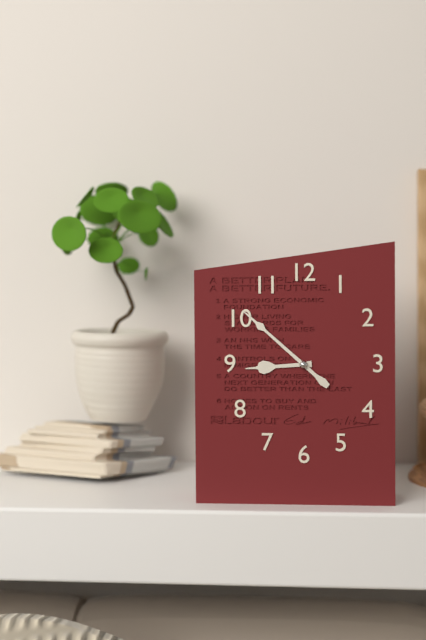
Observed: 8:52
